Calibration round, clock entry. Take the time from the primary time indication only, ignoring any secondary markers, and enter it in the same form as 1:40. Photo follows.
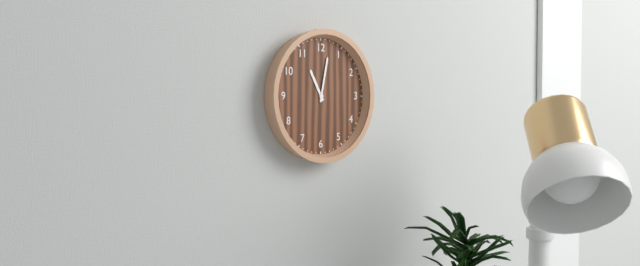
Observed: 11:02
